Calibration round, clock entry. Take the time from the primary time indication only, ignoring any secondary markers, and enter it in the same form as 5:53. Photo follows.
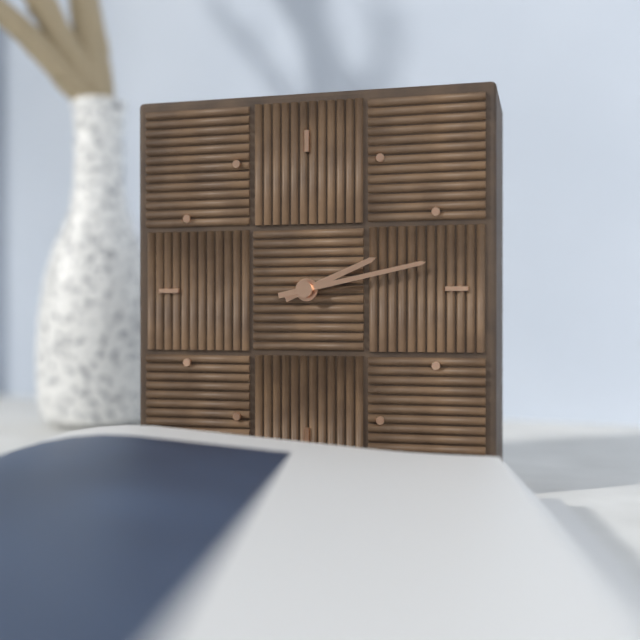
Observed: 2:13
